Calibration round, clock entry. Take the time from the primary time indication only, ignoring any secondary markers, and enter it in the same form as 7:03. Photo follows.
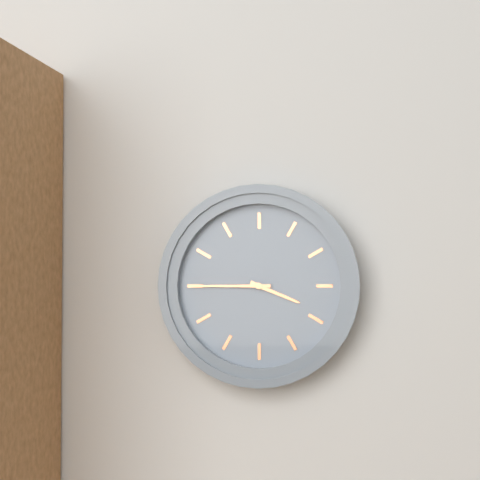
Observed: 3:45
